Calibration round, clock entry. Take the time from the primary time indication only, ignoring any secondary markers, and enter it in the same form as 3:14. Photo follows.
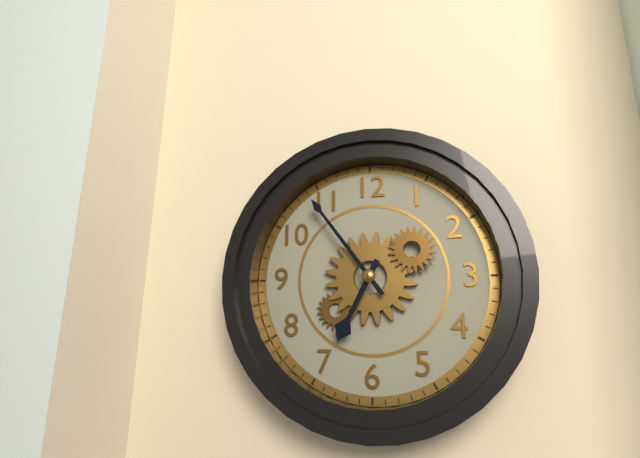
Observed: 6:54
